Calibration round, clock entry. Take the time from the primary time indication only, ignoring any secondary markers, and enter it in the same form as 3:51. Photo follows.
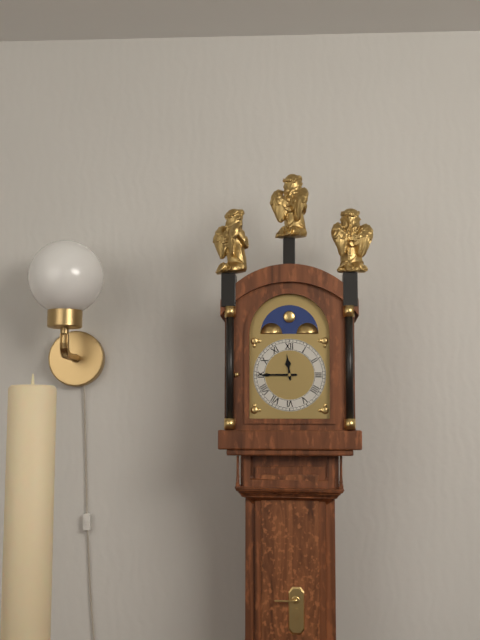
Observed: 11:45
